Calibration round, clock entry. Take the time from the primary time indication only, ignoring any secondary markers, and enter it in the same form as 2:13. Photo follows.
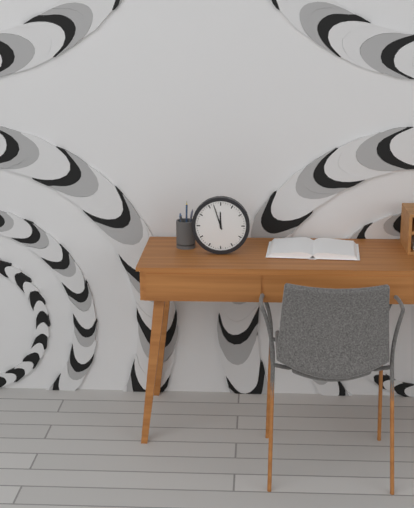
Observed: 11:57
